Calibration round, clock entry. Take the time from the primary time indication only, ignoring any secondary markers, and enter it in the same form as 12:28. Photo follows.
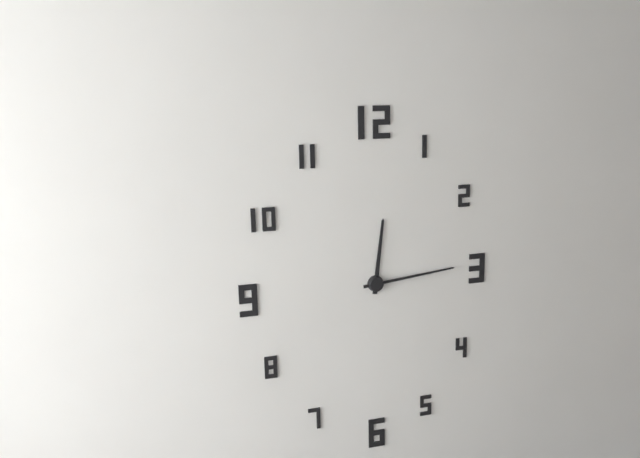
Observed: 12:14
